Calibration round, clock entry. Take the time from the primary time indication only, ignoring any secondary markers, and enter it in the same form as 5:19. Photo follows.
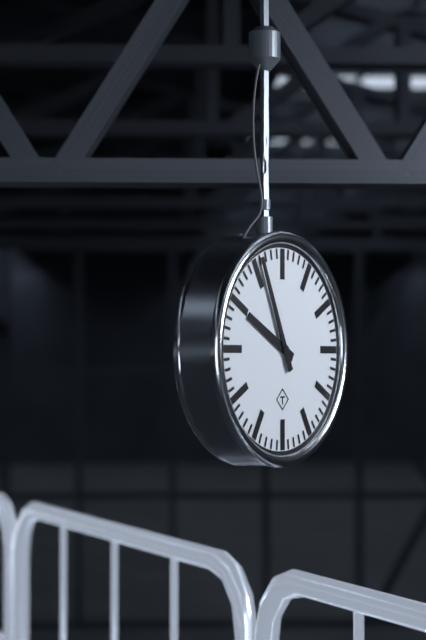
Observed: 9:56
